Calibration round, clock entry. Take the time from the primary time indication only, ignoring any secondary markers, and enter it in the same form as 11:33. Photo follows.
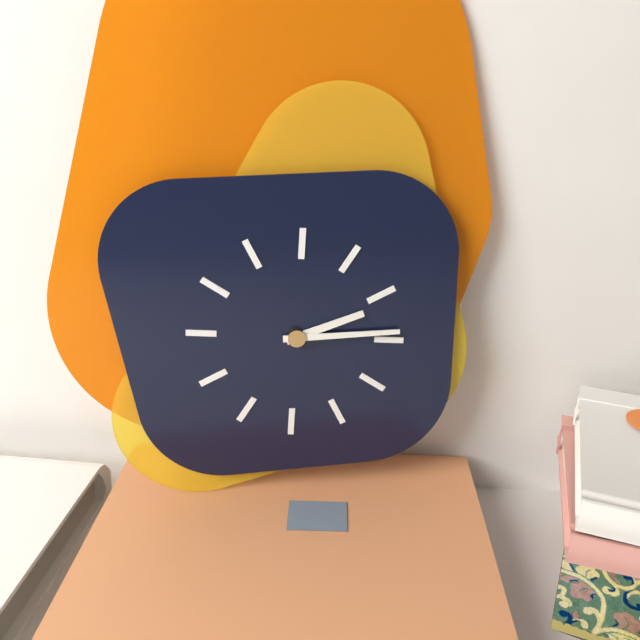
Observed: 2:14
